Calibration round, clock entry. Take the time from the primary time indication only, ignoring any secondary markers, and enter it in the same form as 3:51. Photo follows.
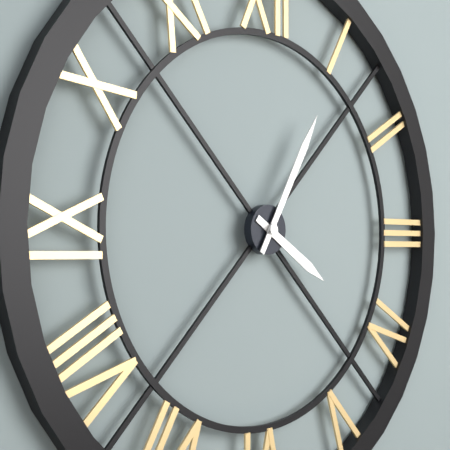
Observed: 4:05
